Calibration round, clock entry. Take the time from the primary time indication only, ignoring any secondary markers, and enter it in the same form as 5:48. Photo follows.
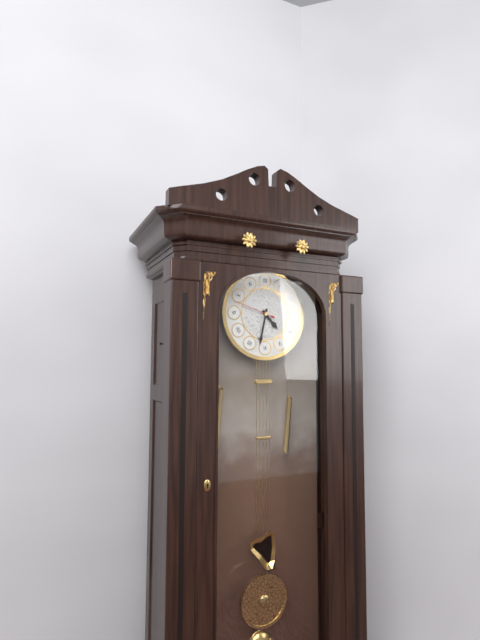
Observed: 4:32
